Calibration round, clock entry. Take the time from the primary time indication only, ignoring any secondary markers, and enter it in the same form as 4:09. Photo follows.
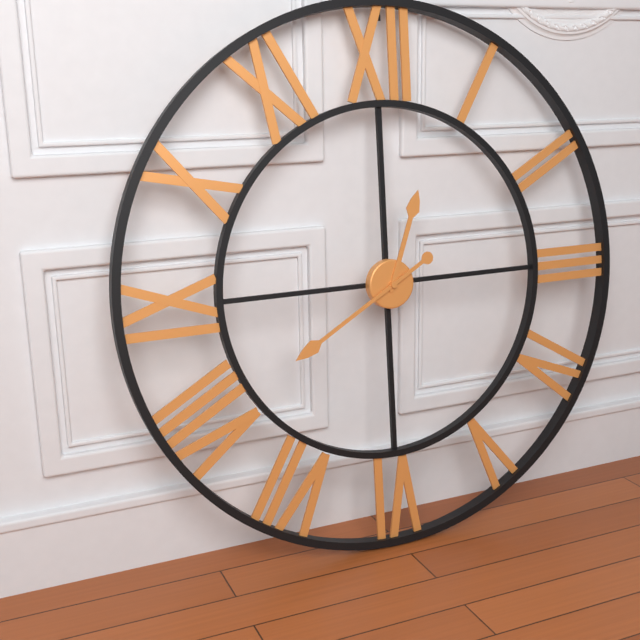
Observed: 12:40
